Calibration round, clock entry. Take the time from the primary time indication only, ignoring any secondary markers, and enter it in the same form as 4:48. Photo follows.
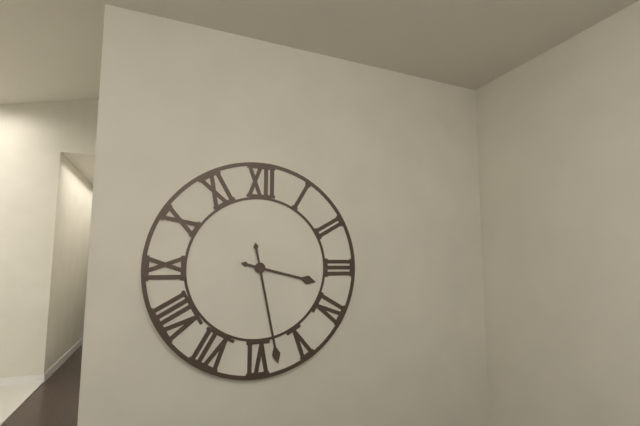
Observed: 3:28
